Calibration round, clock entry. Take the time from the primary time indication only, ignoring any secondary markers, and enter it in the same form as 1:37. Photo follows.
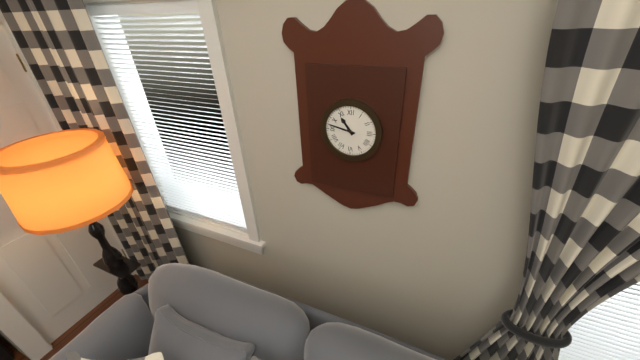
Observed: 10:47
